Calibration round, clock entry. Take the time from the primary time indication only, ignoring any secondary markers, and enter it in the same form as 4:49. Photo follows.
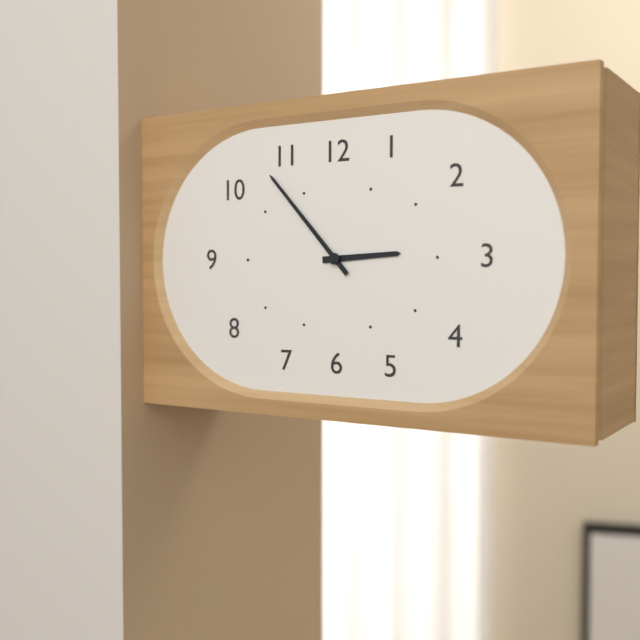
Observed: 2:53
